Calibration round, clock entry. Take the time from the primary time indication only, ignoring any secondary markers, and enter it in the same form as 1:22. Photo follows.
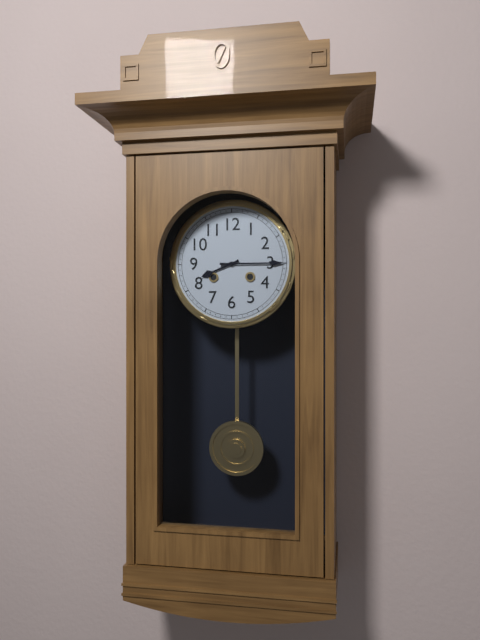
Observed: 8:15
